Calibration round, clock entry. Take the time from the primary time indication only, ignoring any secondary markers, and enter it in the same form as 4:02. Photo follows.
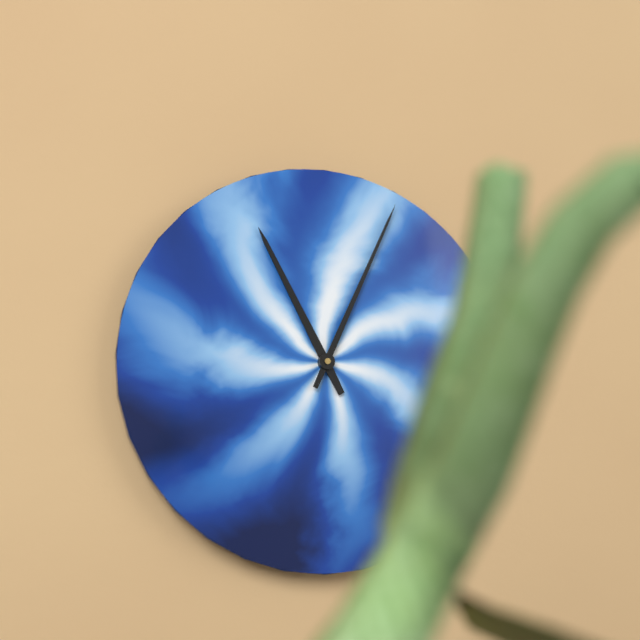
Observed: 11:04
